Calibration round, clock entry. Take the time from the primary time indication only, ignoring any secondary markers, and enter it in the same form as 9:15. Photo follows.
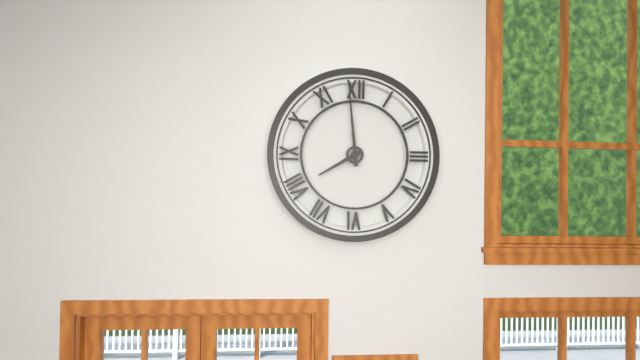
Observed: 7:59
